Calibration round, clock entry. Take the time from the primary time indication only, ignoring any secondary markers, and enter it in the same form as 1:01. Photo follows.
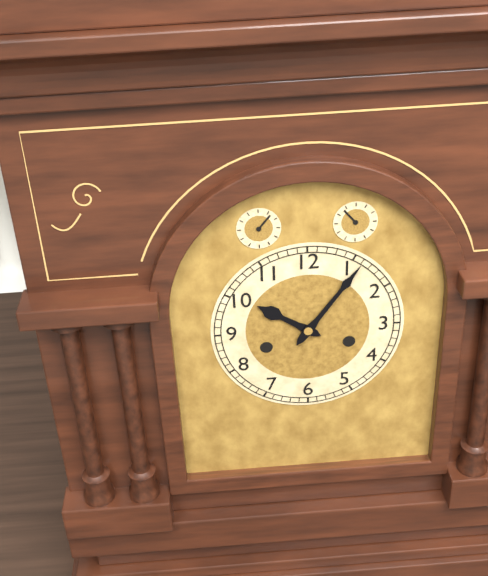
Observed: 10:06
